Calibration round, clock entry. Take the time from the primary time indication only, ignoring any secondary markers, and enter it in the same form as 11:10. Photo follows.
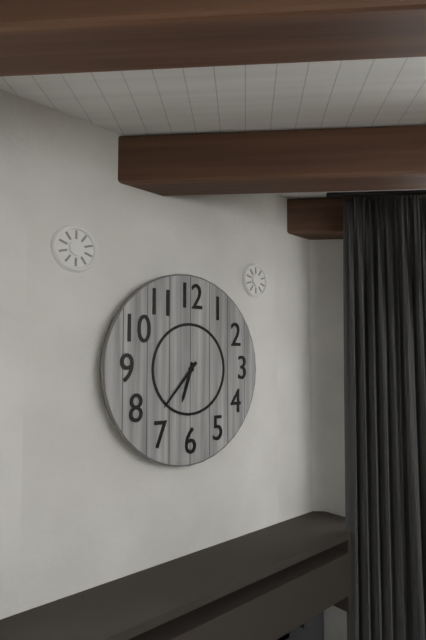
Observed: 6:37
